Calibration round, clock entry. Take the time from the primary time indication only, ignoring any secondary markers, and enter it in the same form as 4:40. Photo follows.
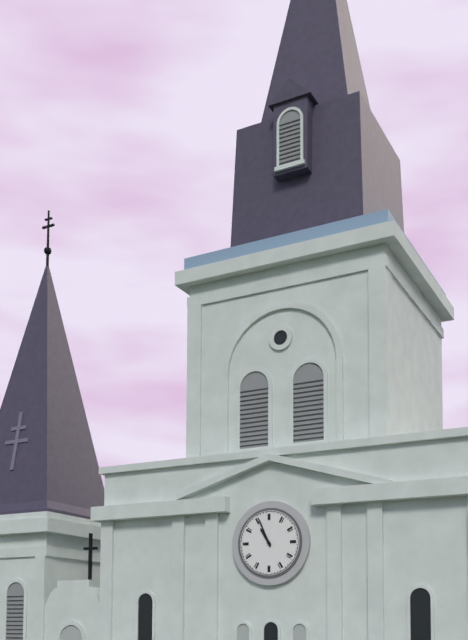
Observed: 10:56
